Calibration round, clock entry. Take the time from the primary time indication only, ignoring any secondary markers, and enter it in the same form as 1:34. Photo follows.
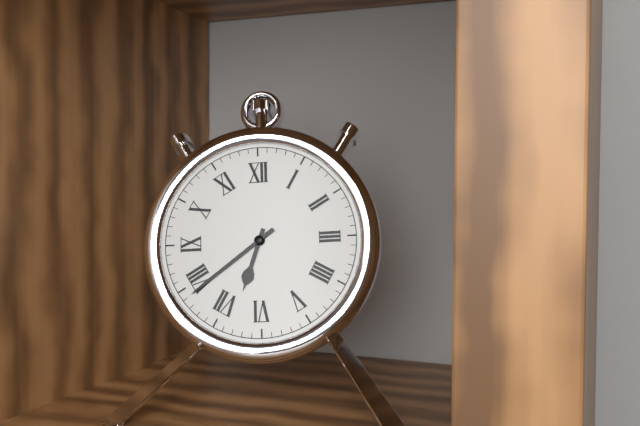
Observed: 6:39
